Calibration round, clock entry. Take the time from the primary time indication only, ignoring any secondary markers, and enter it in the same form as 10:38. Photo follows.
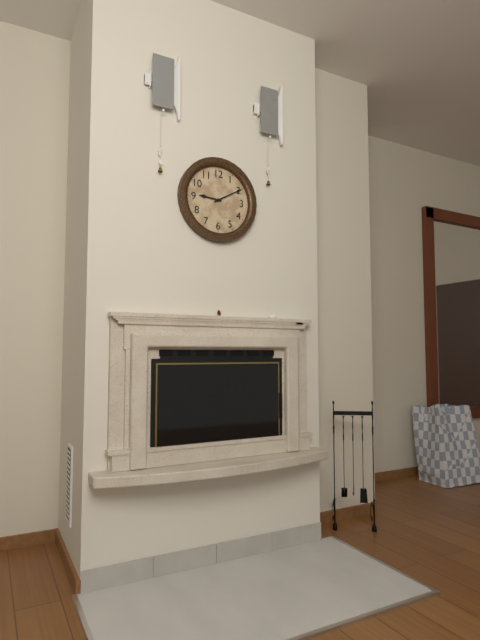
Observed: 9:10
